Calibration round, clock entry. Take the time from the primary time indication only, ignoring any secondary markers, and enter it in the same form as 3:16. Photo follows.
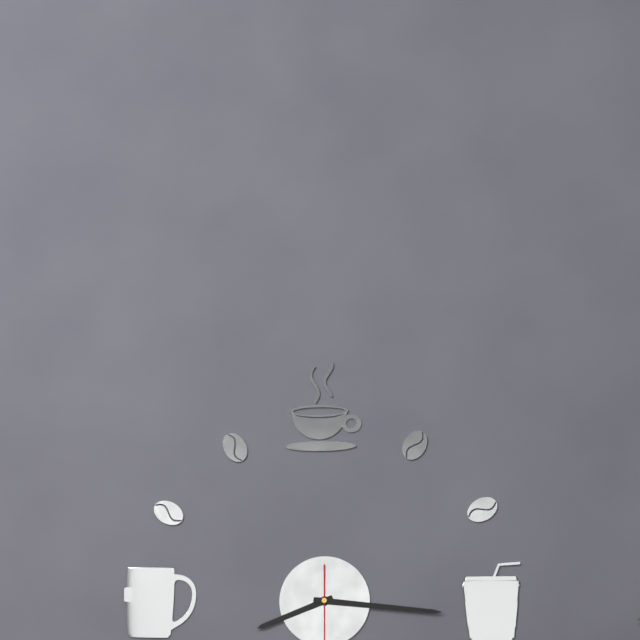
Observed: 8:16
